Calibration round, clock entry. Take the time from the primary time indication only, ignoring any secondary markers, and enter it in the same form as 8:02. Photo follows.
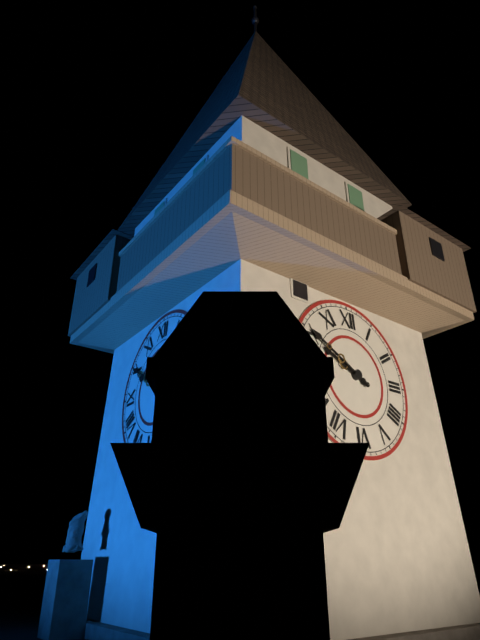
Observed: 9:50
